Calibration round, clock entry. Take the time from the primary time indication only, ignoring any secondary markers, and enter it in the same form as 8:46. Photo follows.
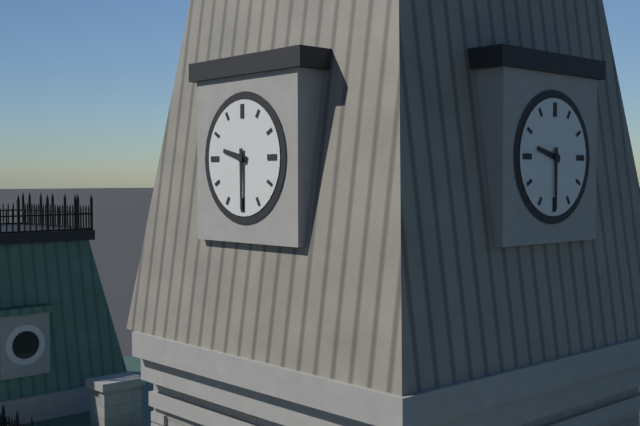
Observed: 9:30
